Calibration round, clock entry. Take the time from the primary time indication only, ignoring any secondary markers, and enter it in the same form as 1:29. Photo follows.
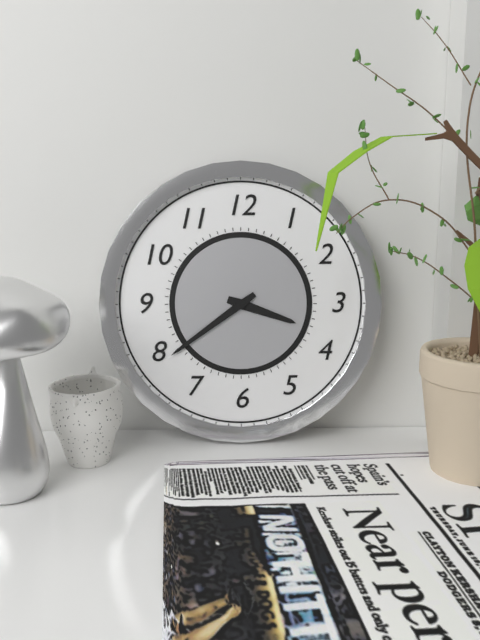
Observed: 3:39
